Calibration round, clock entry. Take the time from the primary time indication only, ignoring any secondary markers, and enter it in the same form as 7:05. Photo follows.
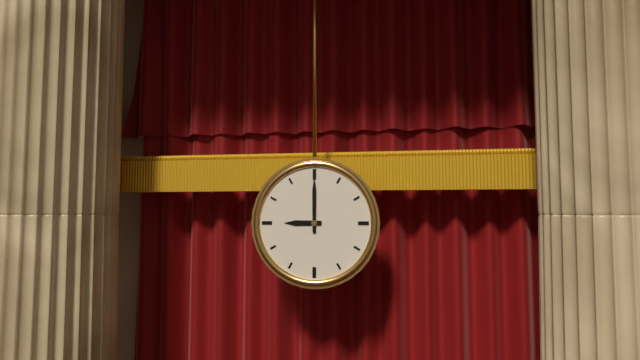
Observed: 9:00
